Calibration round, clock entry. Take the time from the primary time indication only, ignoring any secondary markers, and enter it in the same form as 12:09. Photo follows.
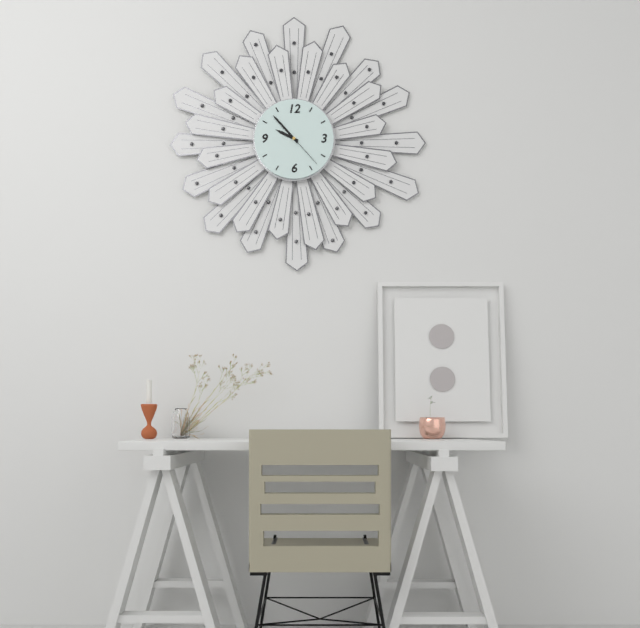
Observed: 9:53
